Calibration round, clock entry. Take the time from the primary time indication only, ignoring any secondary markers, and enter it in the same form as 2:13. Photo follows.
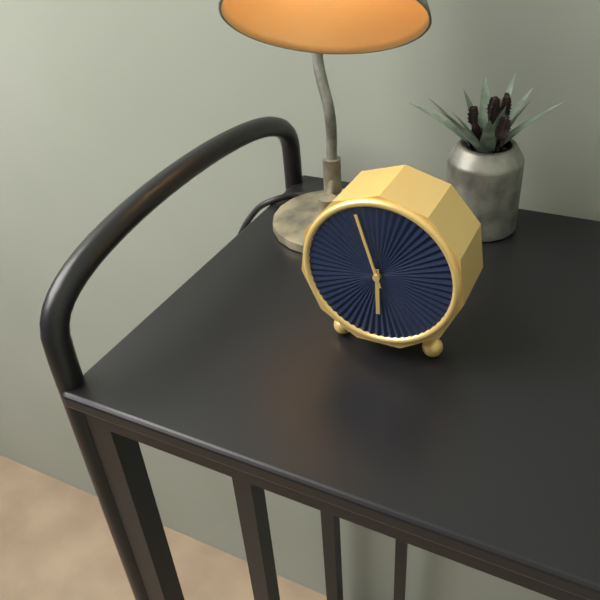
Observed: 5:57
